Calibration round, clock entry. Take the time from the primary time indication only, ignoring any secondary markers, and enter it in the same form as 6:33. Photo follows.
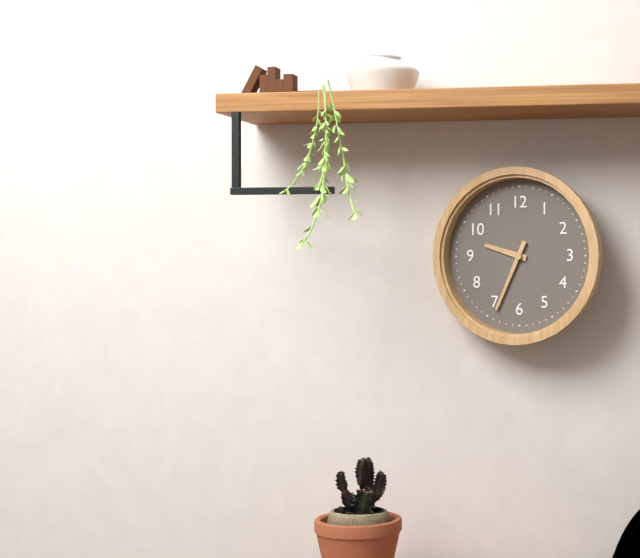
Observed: 9:34
